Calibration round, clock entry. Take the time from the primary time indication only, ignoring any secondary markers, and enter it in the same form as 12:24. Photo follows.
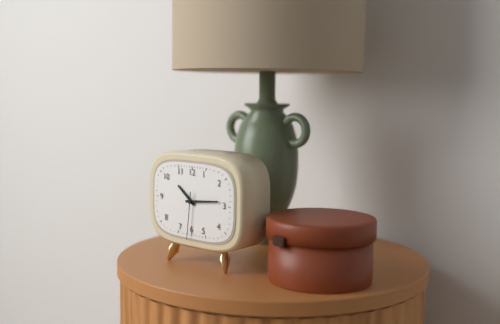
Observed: 10:14
